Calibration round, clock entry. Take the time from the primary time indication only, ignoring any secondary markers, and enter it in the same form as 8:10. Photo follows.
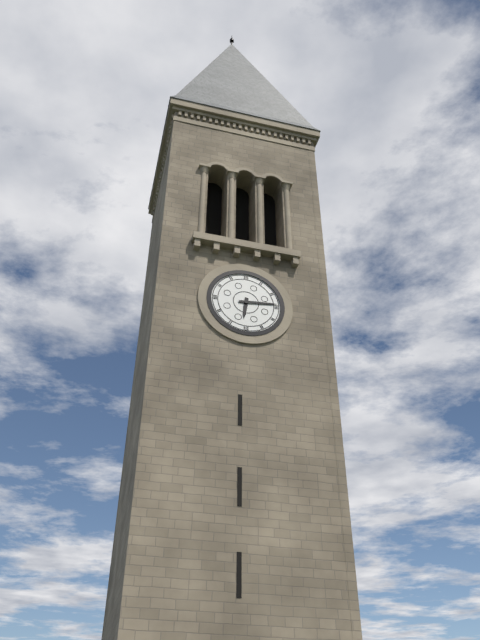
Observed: 6:14
